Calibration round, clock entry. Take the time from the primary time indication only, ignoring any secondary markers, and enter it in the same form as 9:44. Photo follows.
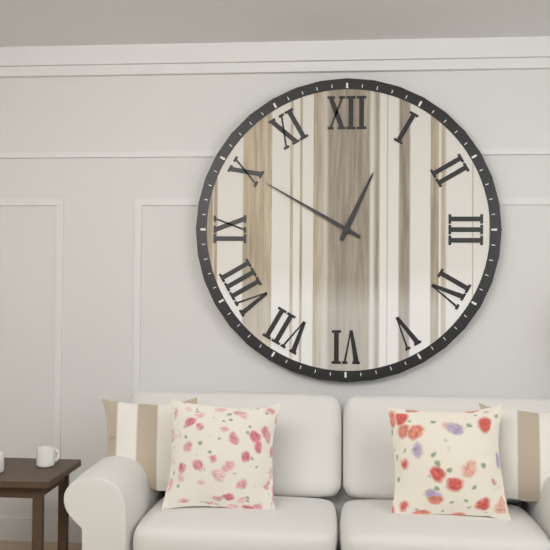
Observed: 12:50
